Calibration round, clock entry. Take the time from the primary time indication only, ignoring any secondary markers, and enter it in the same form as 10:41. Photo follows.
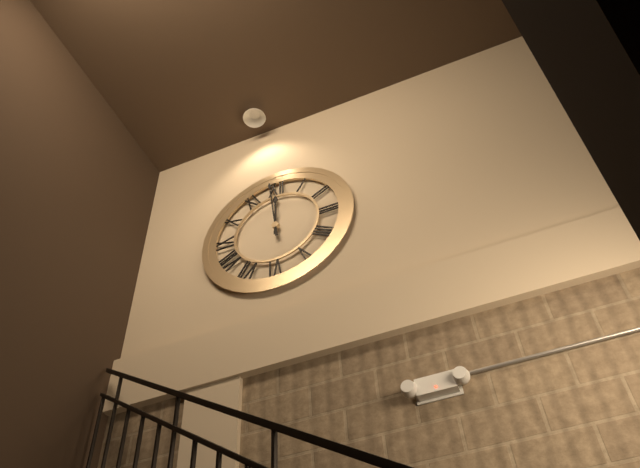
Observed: 11:59
